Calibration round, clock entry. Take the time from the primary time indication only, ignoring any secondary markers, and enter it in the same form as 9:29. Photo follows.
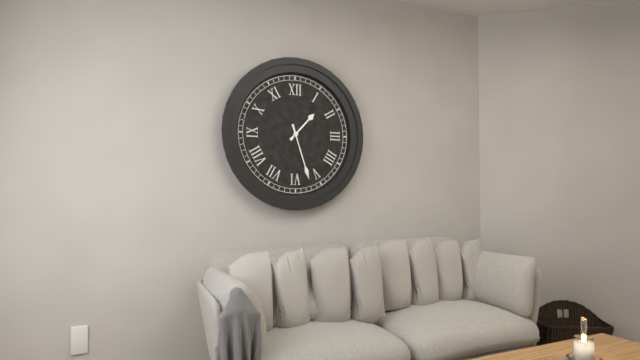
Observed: 1:27
